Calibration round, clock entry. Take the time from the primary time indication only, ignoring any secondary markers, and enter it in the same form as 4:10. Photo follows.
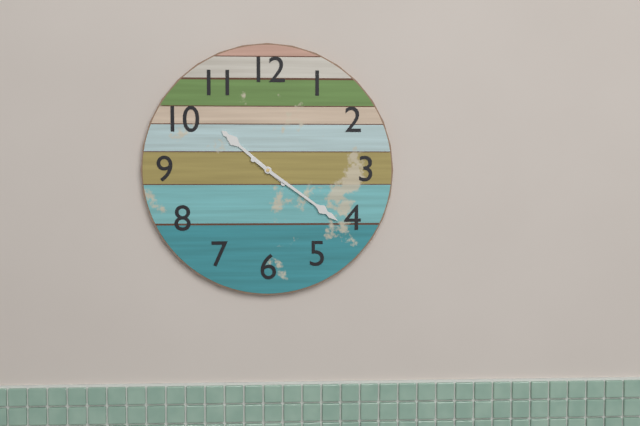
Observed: 10:21
